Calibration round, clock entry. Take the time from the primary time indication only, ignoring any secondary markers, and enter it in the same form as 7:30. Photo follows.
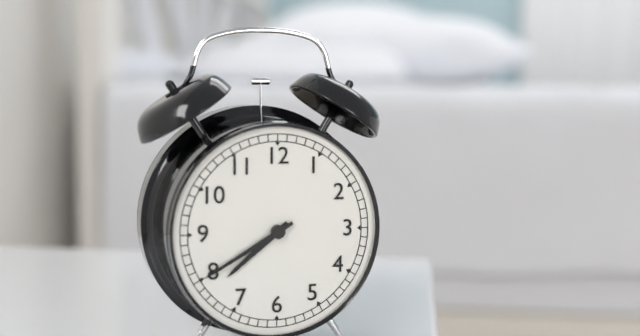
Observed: 7:40
